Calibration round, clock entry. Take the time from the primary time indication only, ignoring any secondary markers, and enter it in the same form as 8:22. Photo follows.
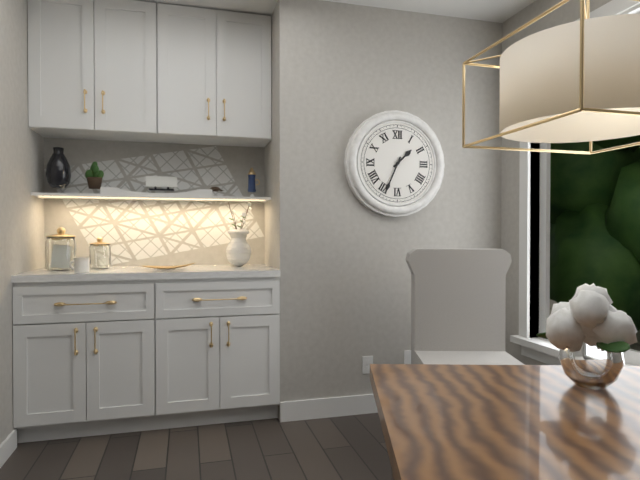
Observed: 1:34
